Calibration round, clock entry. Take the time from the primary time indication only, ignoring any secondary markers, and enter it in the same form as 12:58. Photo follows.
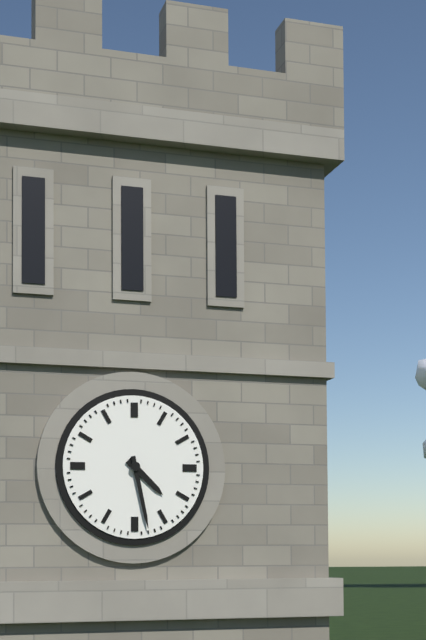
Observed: 4:28
